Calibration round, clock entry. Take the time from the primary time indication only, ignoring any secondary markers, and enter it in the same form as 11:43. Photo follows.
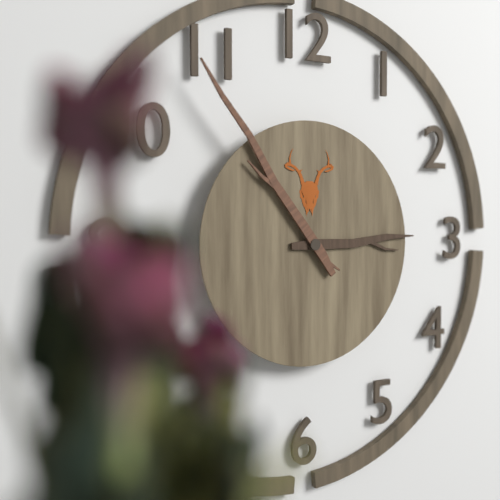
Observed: 2:54
